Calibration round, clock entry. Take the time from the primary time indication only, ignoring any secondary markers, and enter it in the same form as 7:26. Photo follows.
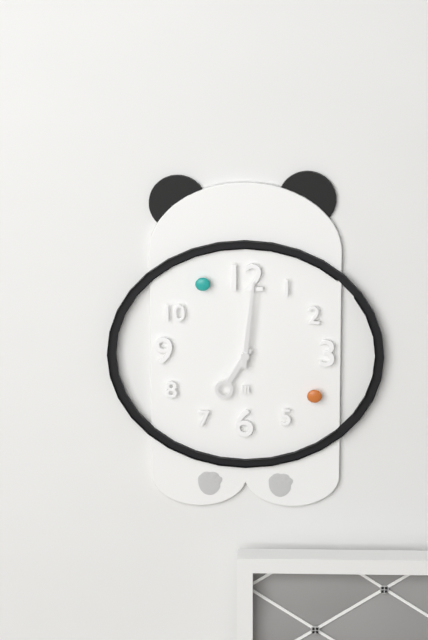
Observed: 7:01
